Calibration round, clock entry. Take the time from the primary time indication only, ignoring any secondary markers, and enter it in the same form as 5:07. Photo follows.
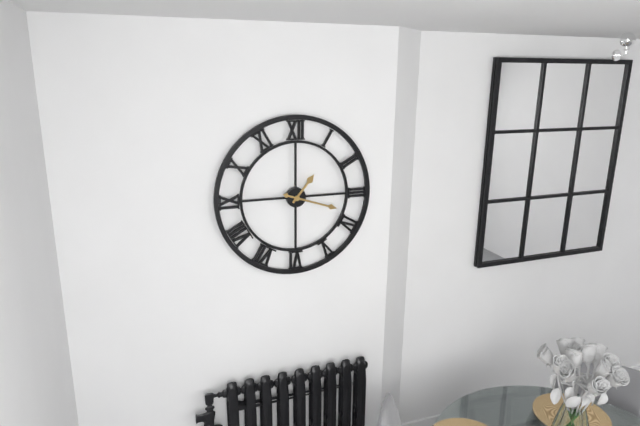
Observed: 1:18
